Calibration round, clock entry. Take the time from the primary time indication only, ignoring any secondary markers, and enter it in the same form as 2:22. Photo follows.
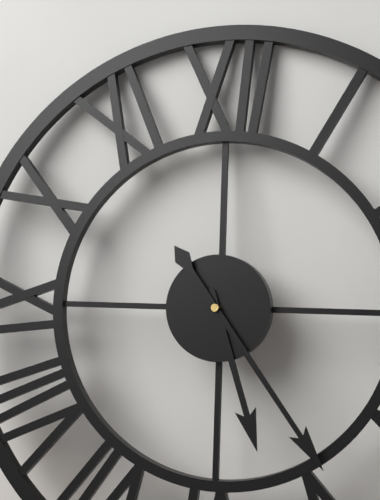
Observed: 5:24
